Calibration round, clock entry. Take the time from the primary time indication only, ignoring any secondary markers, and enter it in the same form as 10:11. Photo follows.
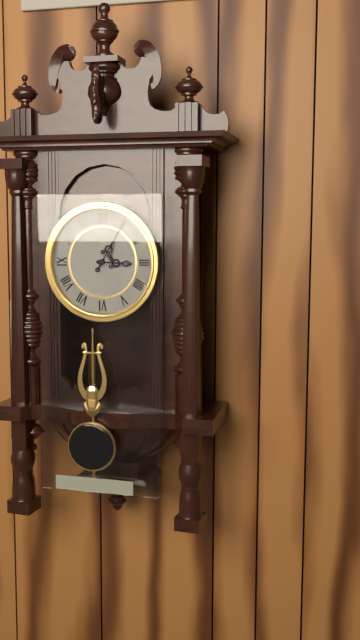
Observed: 3:05
